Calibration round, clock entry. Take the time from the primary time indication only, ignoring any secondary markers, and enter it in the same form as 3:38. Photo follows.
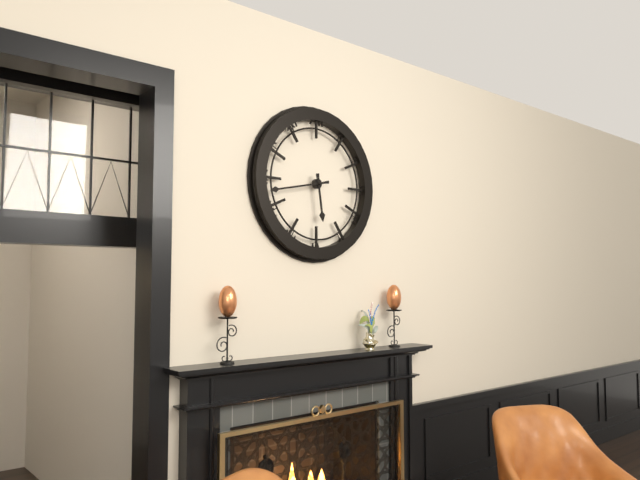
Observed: 5:43
